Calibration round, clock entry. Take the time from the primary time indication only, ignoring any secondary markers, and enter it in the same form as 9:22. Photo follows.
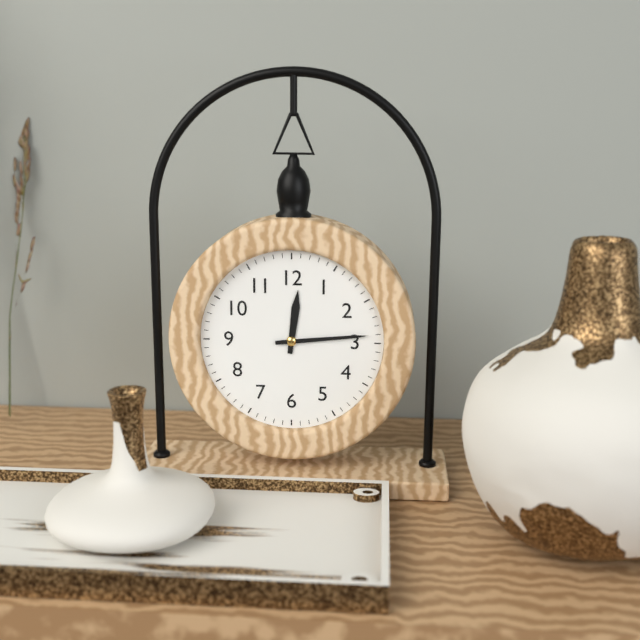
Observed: 12:14
